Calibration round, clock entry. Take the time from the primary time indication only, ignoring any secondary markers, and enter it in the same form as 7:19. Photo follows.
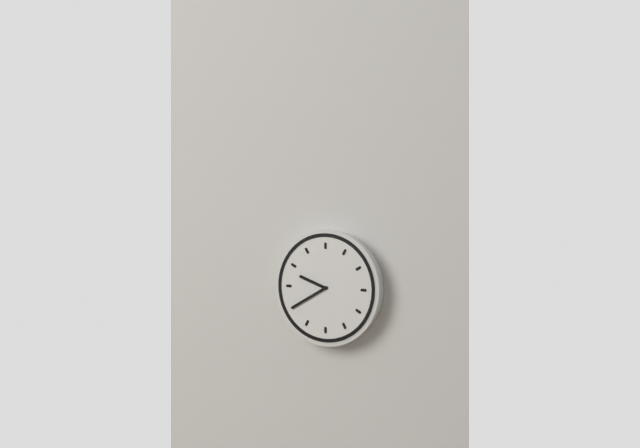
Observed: 9:40
